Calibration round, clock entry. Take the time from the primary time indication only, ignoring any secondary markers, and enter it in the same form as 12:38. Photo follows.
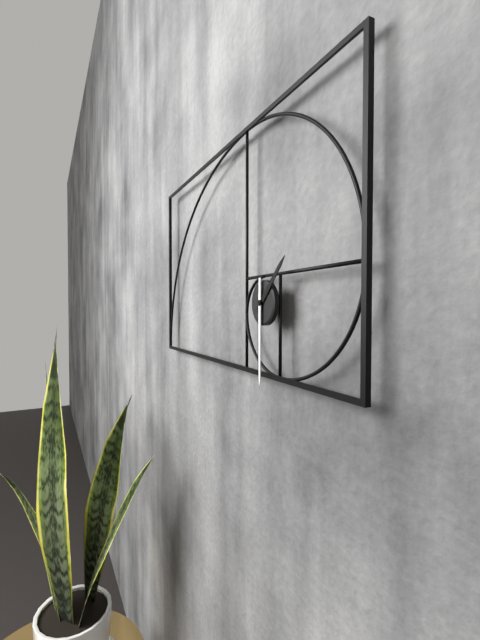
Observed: 1:30
